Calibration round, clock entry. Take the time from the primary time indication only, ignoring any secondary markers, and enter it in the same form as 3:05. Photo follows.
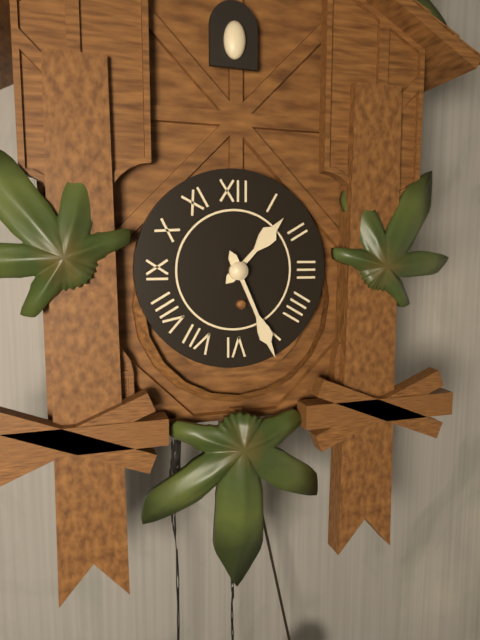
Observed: 1:26
